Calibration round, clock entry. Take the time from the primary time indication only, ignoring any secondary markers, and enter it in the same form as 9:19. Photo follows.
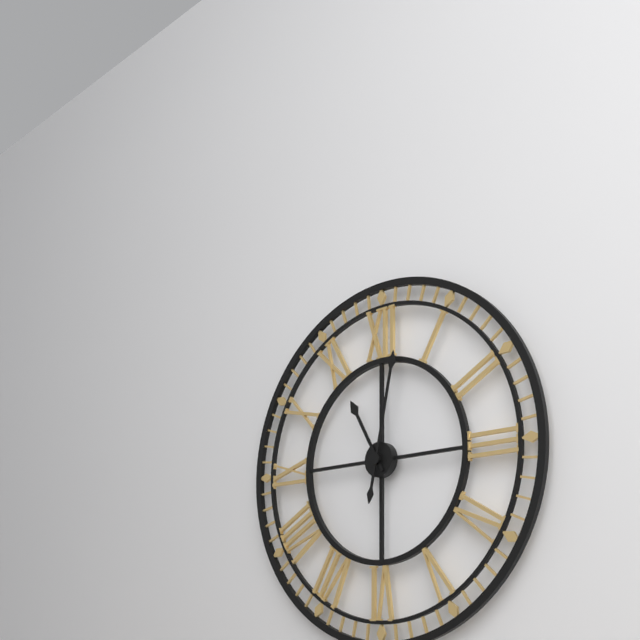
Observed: 11:02
